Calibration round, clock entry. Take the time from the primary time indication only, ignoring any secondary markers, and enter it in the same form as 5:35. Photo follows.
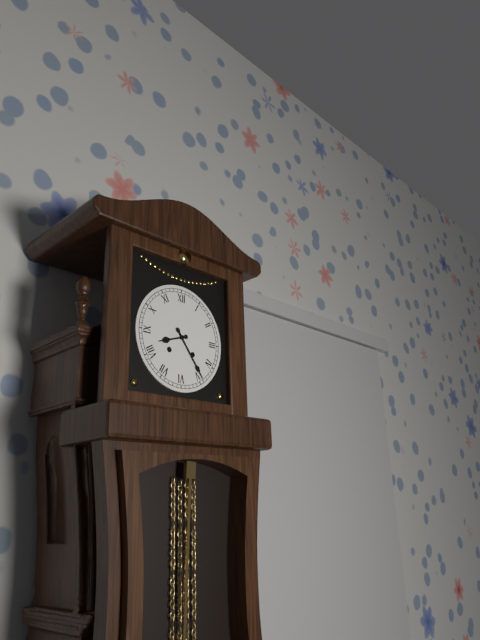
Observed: 8:24
